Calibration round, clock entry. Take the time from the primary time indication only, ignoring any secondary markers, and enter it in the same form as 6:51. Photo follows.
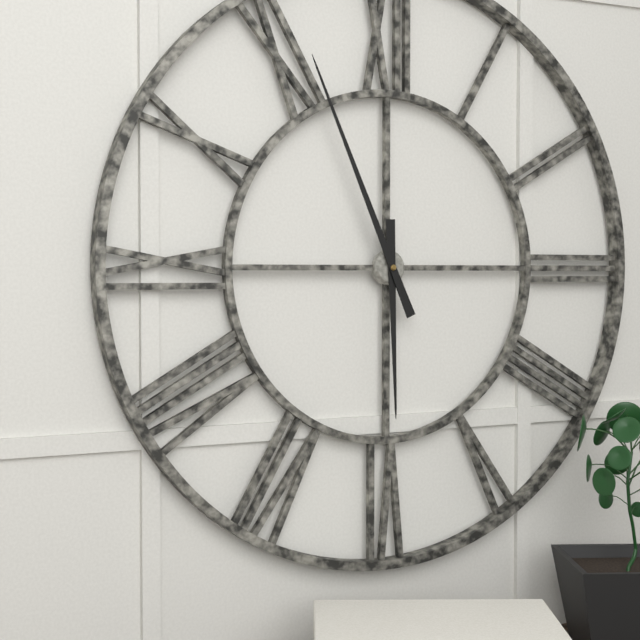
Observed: 5:56
